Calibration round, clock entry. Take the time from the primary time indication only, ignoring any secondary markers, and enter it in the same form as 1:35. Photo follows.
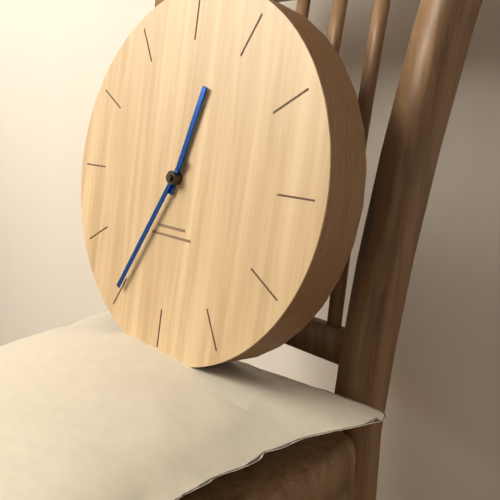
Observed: 12:35
